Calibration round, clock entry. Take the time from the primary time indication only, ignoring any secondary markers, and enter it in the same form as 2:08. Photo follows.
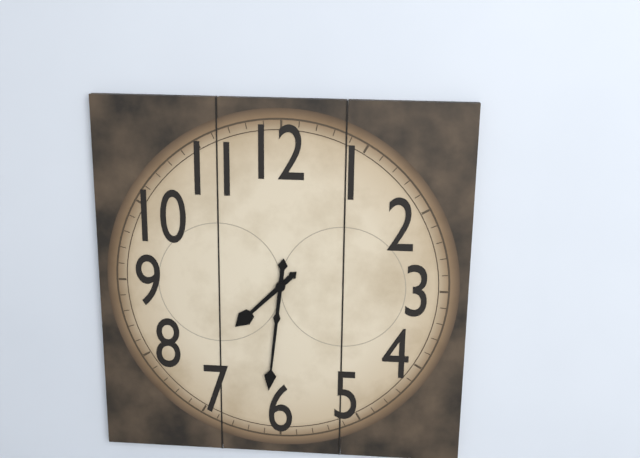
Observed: 7:31
